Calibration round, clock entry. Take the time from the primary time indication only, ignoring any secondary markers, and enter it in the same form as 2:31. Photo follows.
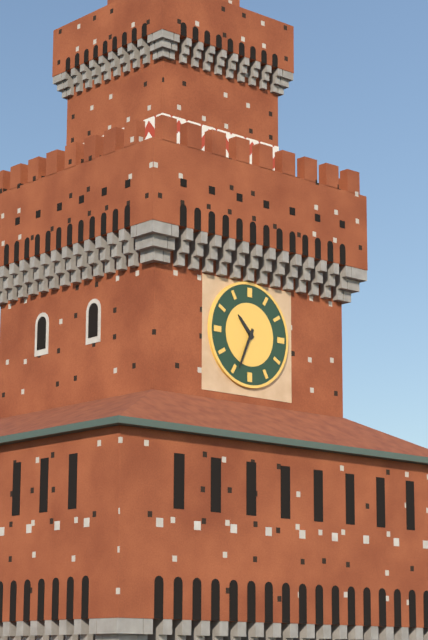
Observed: 10:34
